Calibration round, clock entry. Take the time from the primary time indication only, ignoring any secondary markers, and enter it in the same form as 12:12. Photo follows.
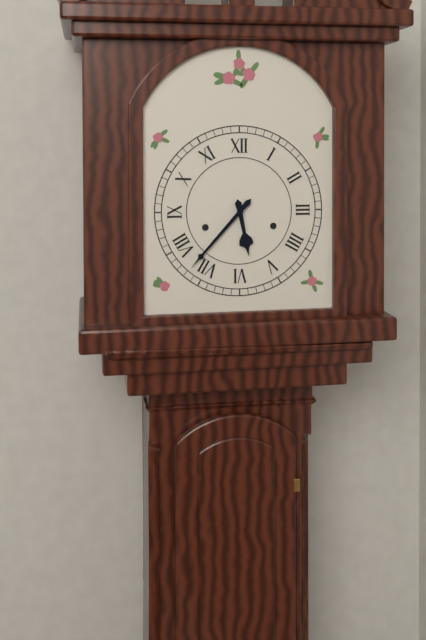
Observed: 5:37
